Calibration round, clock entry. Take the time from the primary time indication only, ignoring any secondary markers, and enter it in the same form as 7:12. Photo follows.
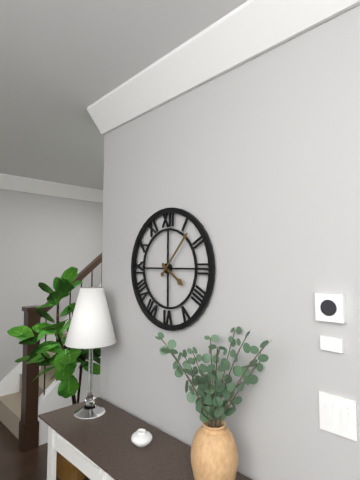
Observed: 4:07
